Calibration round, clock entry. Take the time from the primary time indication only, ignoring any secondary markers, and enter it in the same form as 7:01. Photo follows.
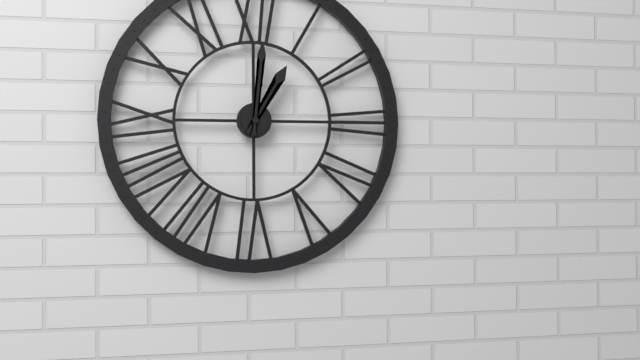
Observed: 1:01
